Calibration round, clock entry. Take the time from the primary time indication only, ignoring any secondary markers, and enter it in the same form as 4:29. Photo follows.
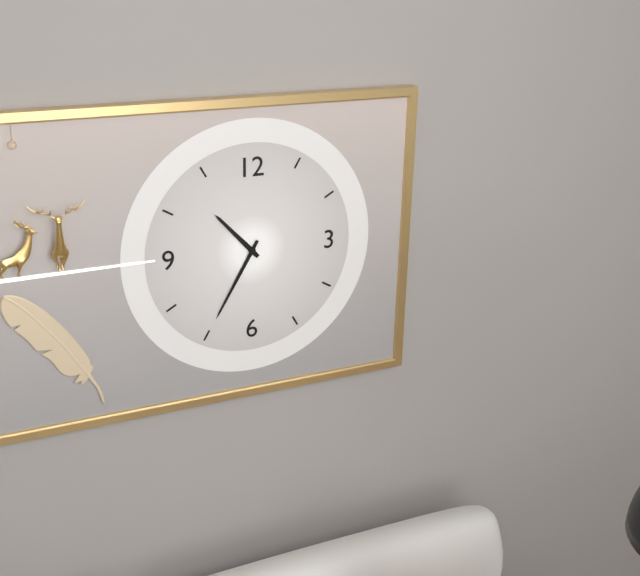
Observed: 10:35
